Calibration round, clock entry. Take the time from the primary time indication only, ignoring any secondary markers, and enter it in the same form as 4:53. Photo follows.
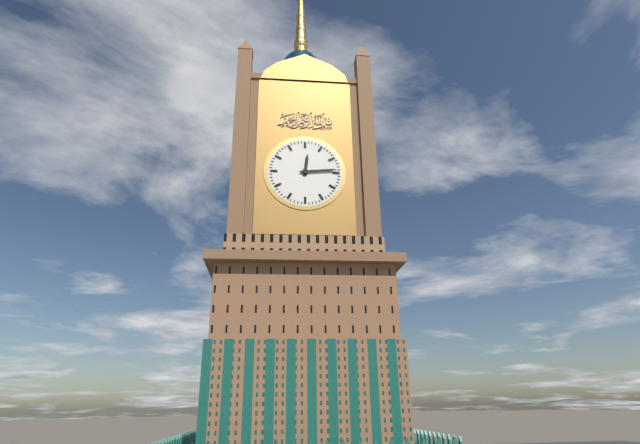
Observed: 12:14
